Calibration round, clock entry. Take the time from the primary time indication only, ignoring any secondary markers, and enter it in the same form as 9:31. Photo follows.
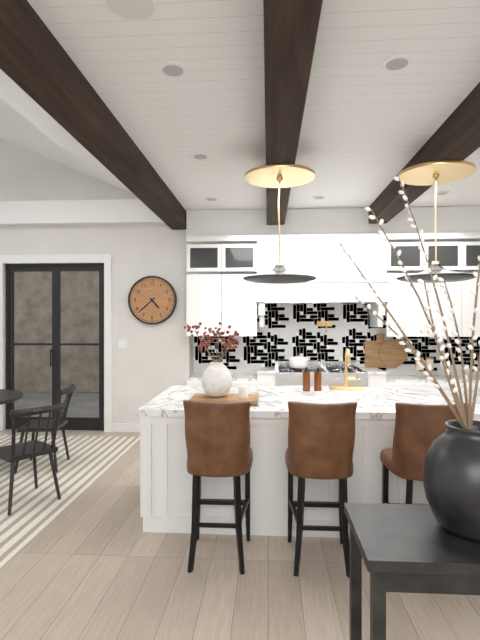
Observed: 4:38
